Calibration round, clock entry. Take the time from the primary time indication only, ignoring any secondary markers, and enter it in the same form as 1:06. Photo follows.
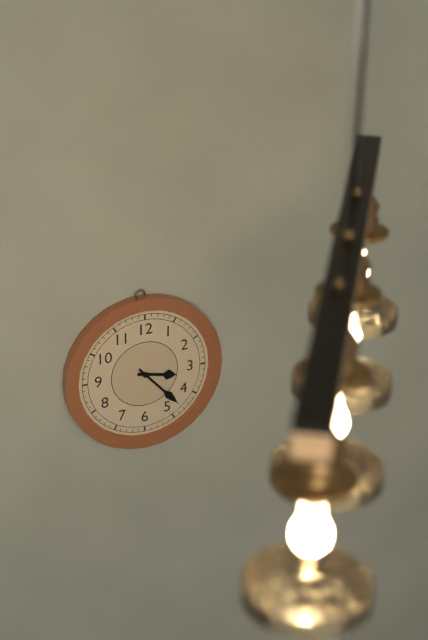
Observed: 3:23
